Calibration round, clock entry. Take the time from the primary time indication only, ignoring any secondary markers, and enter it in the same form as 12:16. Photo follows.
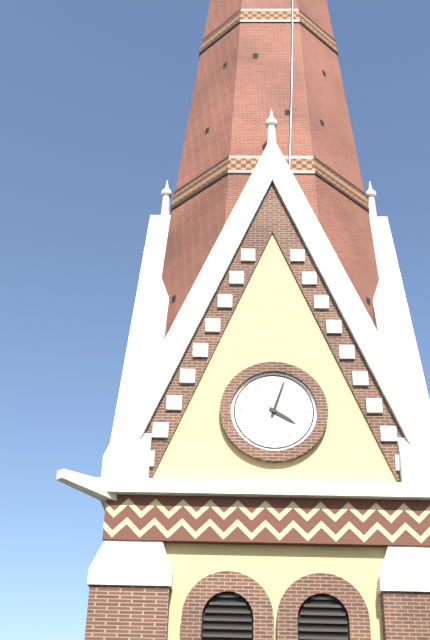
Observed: 4:03
